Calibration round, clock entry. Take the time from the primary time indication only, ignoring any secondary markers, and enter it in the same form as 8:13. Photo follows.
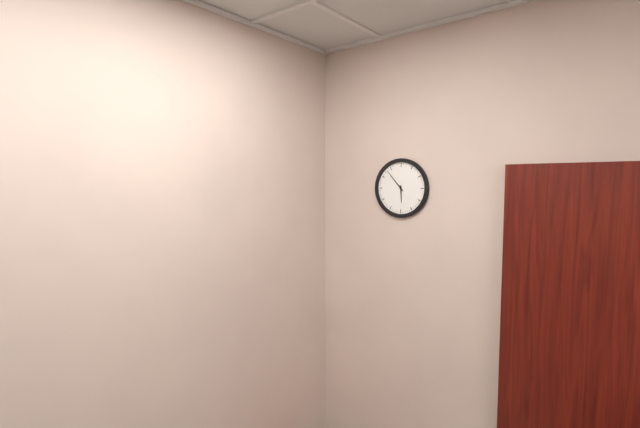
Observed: 5:53
